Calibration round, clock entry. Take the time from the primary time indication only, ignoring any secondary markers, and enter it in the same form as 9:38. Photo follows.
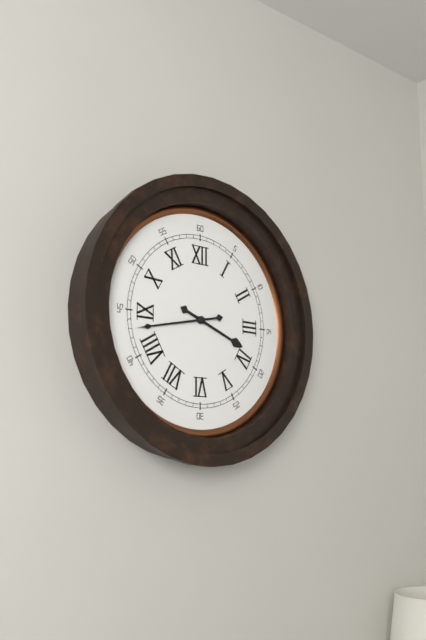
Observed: 3:43
